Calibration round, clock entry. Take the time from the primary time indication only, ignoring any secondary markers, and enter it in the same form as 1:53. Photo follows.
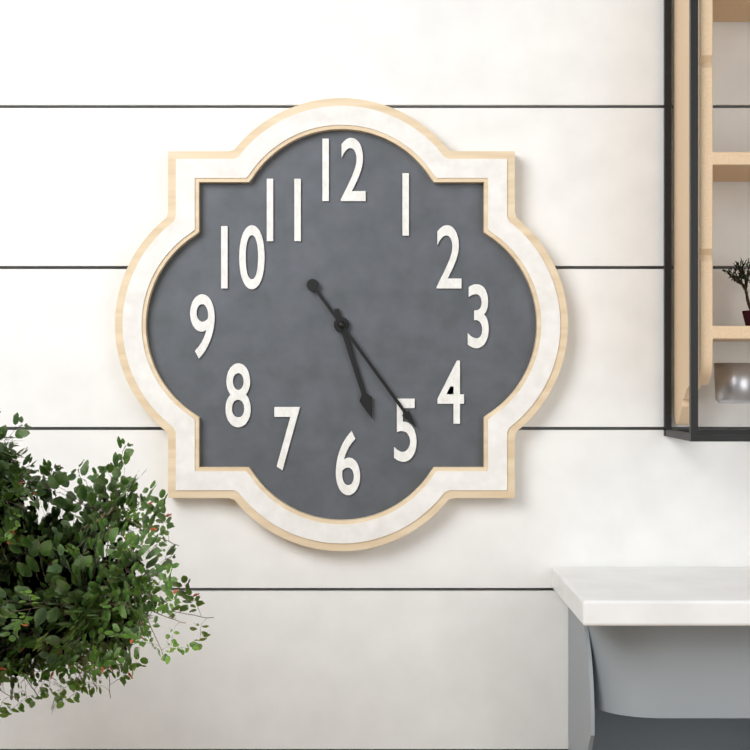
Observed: 5:24
